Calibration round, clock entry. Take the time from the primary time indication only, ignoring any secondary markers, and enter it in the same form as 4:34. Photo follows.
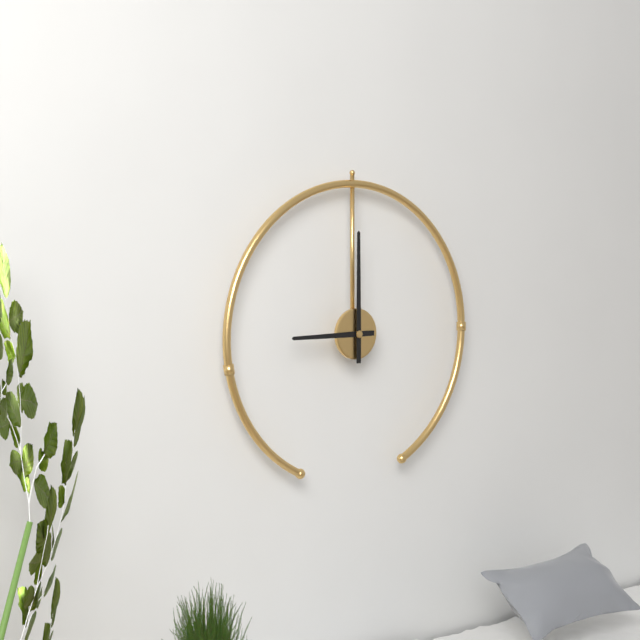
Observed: 9:00
